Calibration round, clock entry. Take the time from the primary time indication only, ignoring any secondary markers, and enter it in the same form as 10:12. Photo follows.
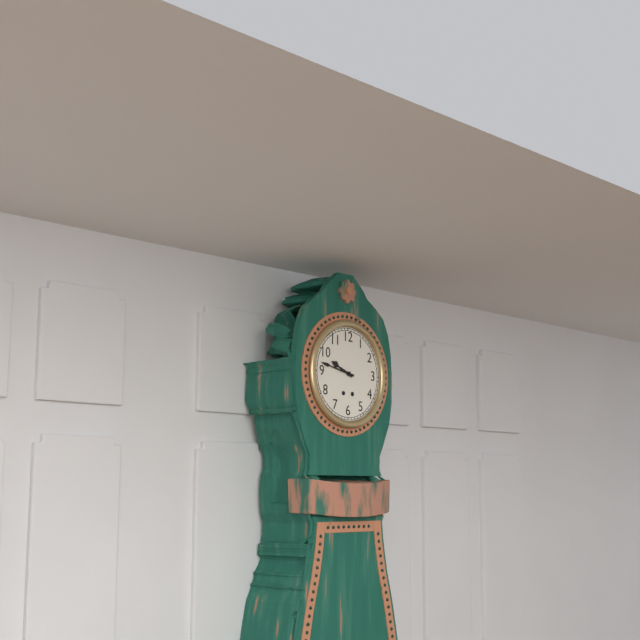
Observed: 9:47
